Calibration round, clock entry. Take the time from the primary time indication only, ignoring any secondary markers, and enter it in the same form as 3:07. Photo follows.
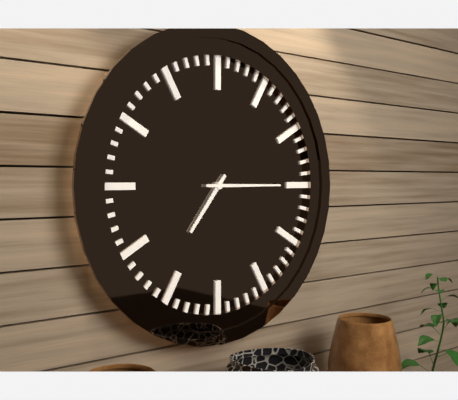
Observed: 7:15
